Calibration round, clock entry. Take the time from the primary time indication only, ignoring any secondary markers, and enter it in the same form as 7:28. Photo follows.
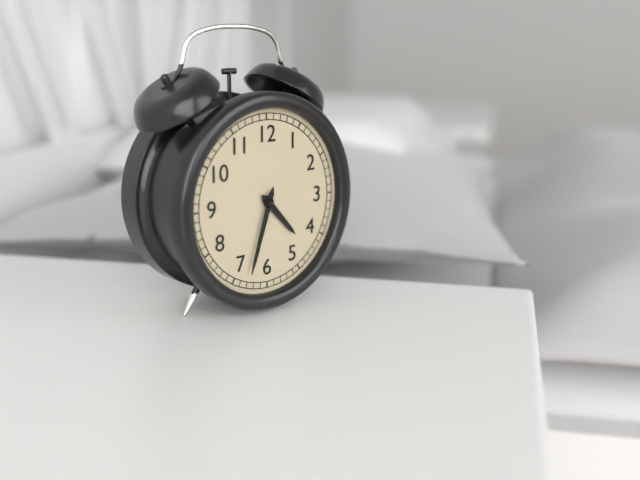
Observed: 4:33
